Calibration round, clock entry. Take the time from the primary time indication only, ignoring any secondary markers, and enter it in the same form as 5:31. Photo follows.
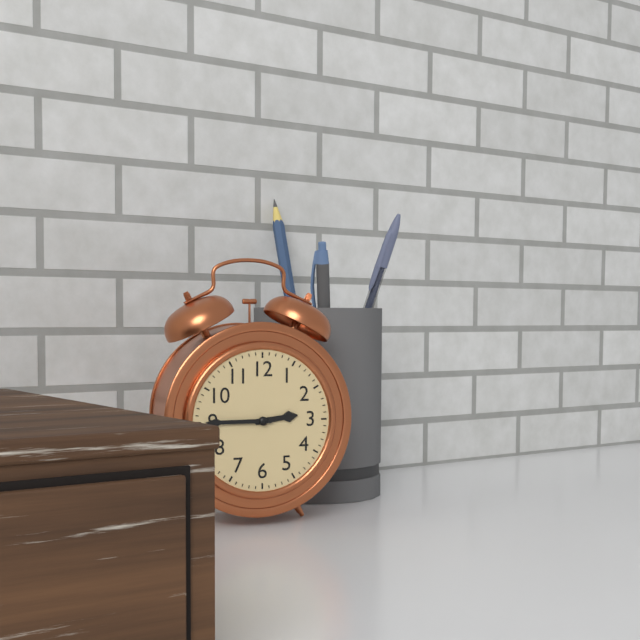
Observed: 2:45
